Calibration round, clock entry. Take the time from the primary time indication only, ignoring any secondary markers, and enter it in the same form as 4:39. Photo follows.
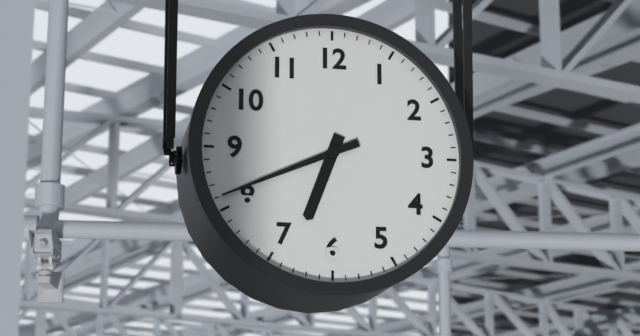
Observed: 6:41
